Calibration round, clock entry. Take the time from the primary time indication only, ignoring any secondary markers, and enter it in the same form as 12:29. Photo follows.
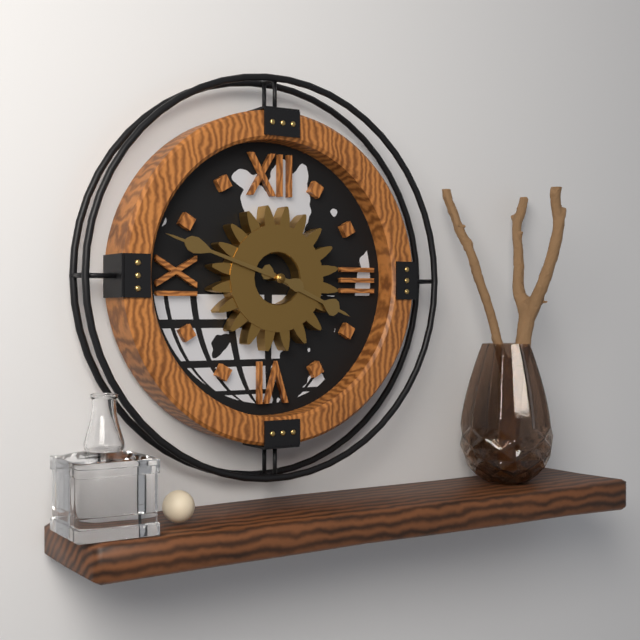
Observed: 3:48
